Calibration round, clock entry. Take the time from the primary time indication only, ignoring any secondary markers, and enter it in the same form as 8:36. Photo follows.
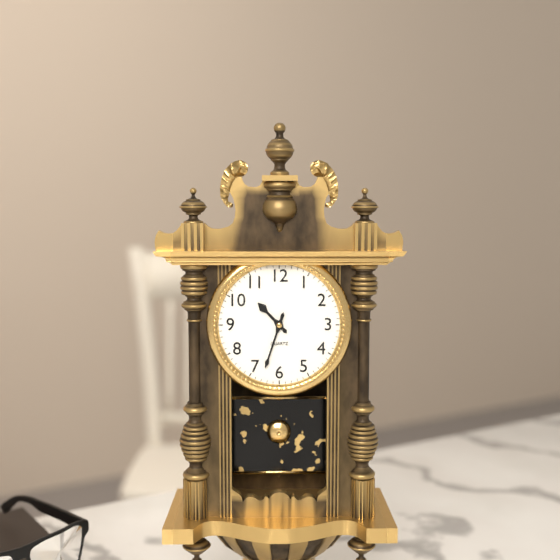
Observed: 10:33
